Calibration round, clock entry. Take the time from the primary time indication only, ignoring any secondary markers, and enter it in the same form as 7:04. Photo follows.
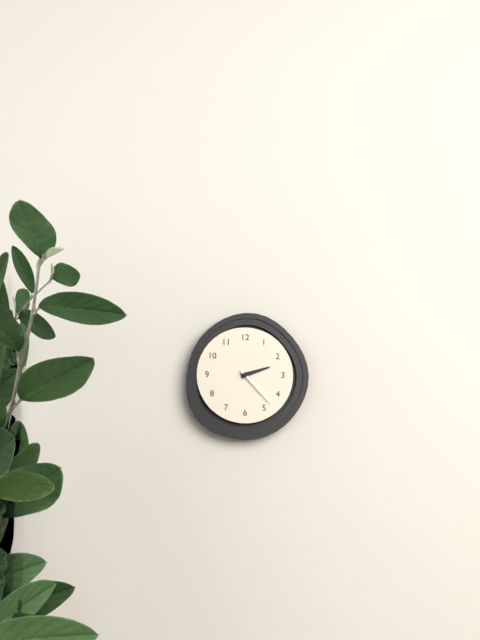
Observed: 2:23
